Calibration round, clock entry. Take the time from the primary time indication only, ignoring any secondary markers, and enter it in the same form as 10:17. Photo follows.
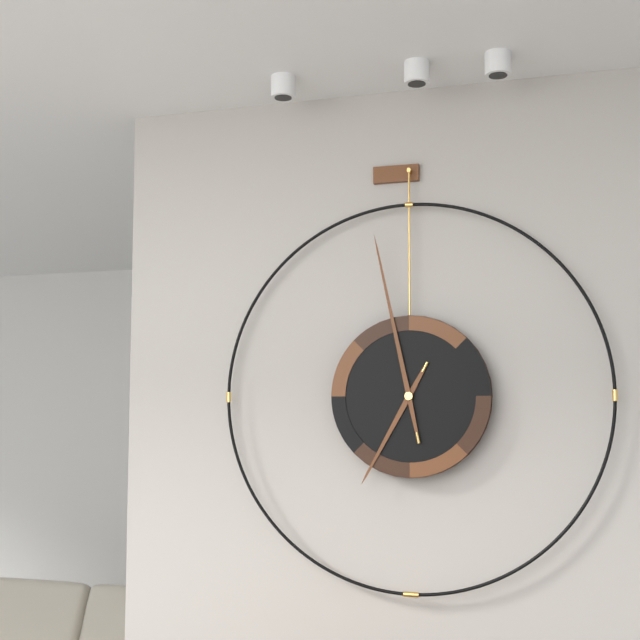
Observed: 6:58
